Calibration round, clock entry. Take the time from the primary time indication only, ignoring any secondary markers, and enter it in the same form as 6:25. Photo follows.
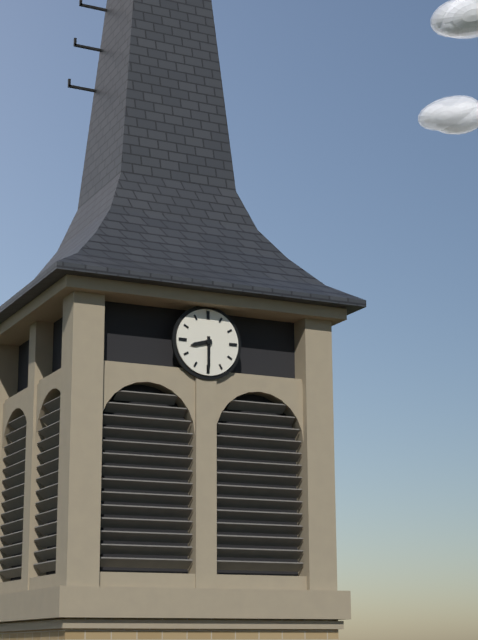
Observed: 8:30
